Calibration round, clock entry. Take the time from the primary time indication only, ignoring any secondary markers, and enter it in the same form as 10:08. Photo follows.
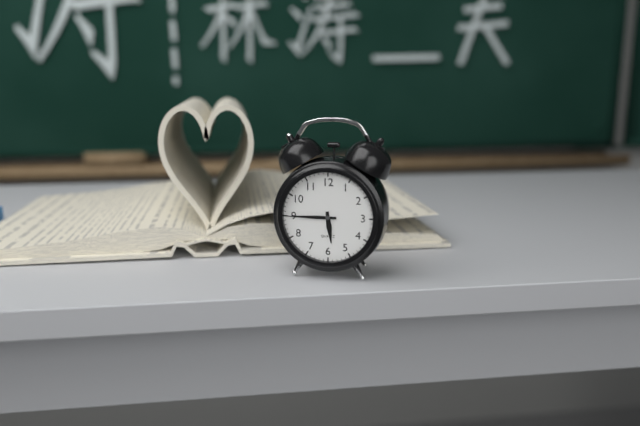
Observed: 5:45
